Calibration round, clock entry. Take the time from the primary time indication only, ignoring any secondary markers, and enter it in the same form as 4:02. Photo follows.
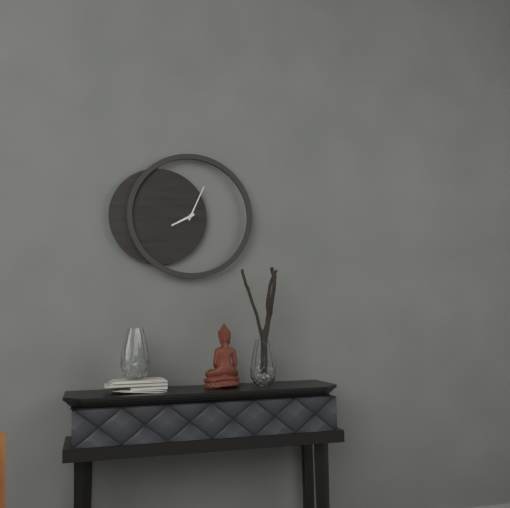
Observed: 8:04
